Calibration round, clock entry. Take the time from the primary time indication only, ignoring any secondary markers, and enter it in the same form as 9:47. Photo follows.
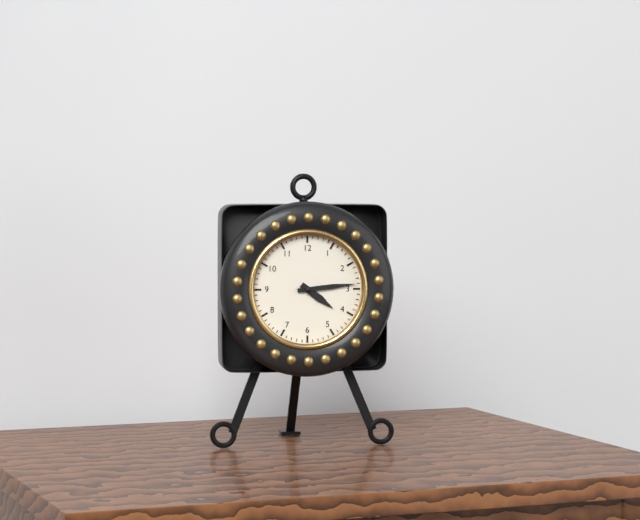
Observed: 4:14
